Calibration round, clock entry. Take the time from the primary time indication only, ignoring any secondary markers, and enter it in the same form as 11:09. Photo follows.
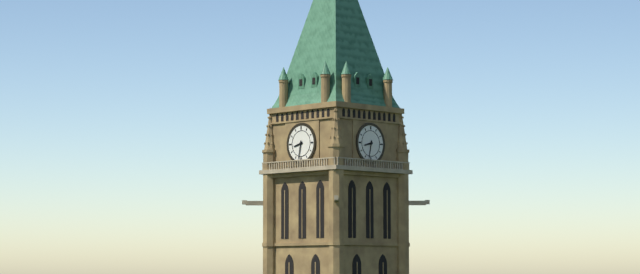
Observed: 8:32
